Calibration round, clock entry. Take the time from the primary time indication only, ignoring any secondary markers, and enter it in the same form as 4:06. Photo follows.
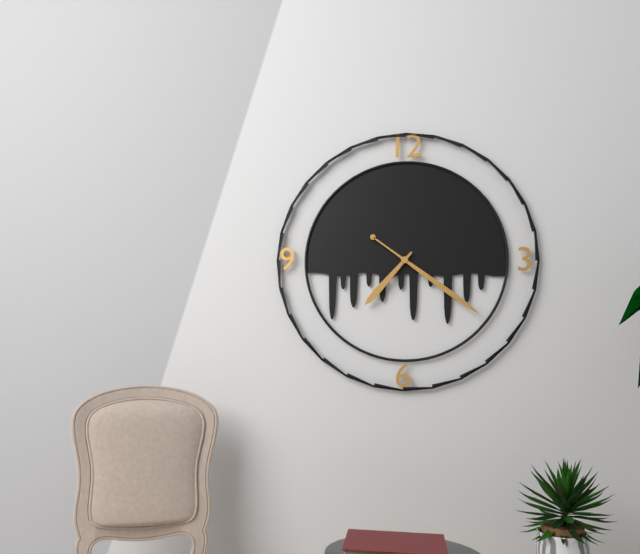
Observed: 7:21
